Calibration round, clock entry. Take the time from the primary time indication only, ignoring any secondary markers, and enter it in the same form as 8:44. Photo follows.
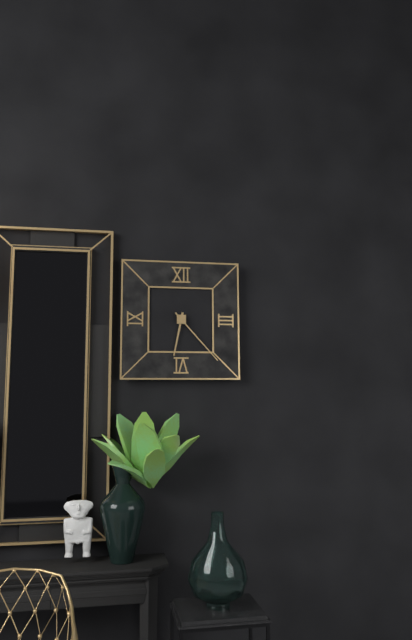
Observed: 6:23
